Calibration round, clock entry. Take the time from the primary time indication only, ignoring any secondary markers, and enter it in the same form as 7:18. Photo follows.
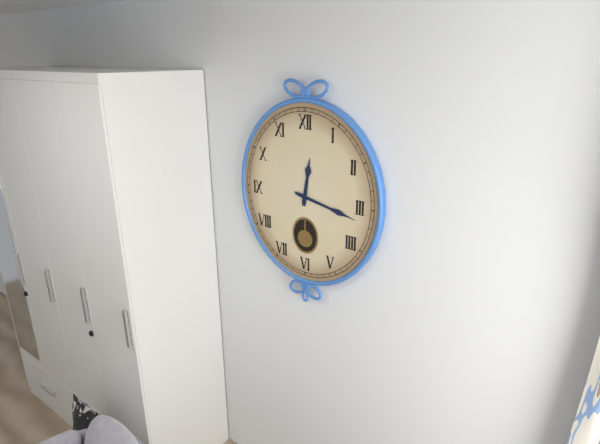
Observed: 12:17
